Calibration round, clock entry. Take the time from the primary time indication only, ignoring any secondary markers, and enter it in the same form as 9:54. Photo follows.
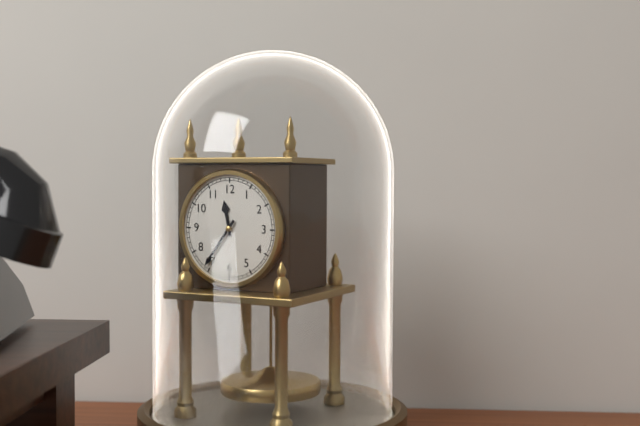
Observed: 11:36
